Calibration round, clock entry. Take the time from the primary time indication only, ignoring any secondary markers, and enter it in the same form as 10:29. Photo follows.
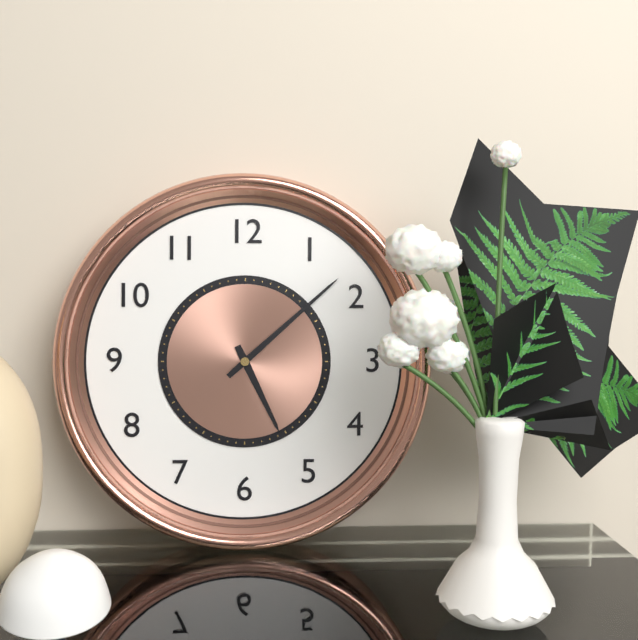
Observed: 5:08
